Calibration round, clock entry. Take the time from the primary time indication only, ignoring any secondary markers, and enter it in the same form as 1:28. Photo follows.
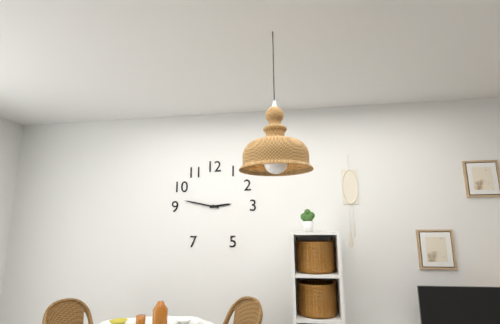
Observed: 2:47
